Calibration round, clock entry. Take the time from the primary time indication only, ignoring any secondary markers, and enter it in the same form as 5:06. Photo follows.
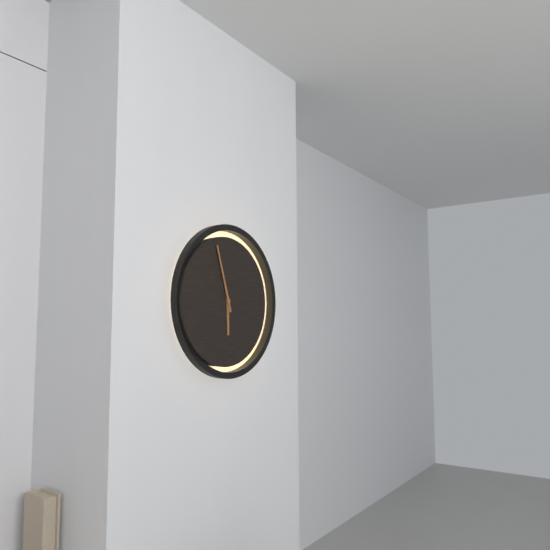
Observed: 5:57
